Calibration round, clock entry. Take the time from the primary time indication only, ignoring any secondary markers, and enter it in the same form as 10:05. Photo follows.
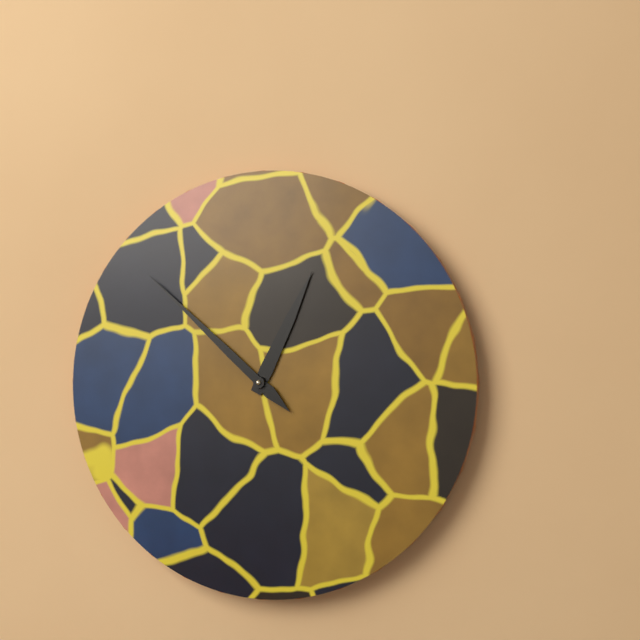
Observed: 12:52
